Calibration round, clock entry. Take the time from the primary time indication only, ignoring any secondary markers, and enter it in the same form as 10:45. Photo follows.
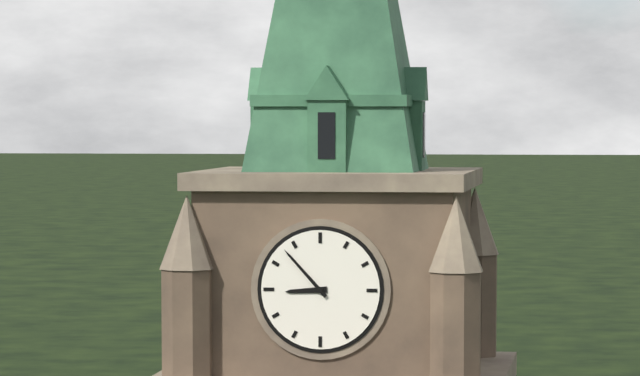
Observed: 8:53
